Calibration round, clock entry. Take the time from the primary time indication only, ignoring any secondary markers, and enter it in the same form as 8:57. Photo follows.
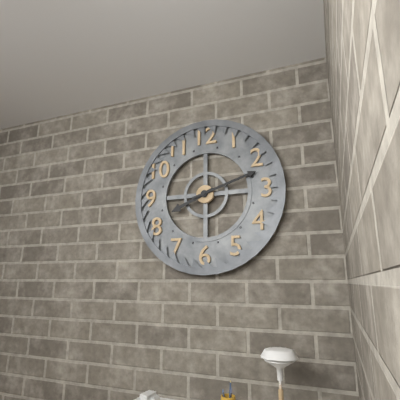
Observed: 8:12
